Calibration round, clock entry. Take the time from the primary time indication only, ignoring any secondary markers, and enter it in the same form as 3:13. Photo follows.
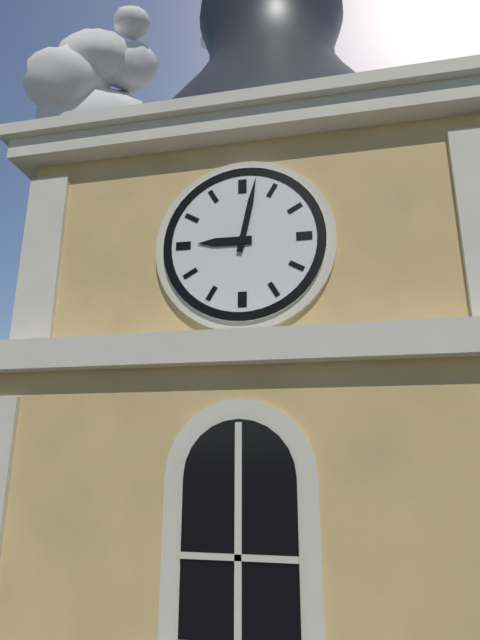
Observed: 9:02
